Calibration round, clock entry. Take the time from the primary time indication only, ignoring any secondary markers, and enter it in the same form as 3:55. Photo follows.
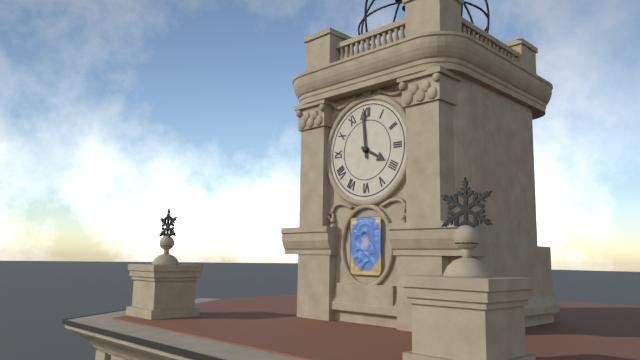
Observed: 3:59
